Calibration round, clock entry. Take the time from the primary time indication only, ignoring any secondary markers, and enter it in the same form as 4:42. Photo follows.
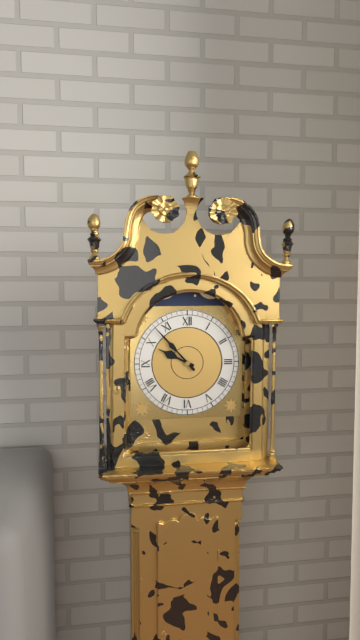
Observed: 9:53
